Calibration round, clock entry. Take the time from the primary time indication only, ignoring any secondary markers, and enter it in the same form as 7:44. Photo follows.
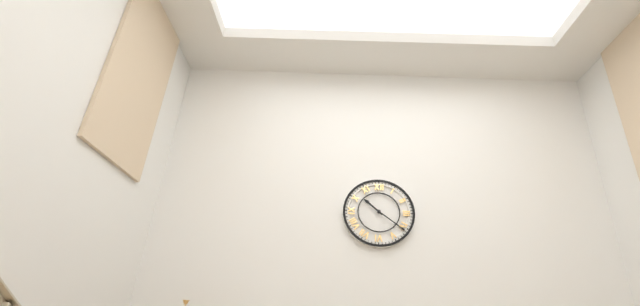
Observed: 10:21
